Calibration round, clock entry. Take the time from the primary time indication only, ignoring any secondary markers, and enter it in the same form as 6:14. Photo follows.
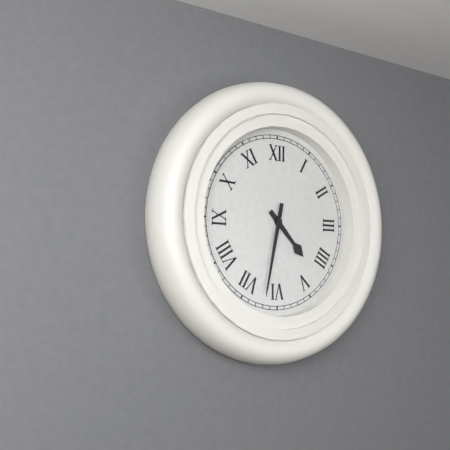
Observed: 4:32
